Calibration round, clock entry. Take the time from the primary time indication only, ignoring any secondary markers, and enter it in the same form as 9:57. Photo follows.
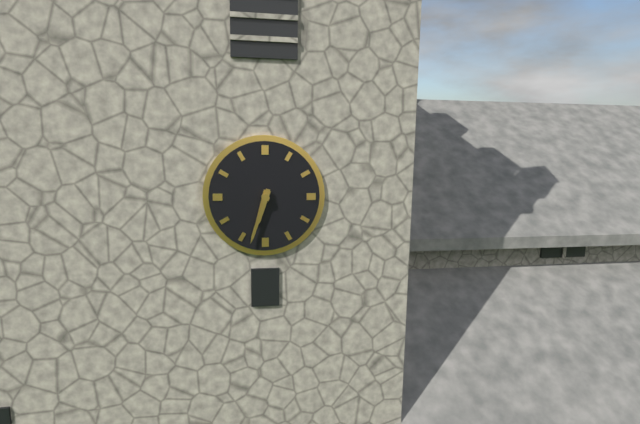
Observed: 6:33
